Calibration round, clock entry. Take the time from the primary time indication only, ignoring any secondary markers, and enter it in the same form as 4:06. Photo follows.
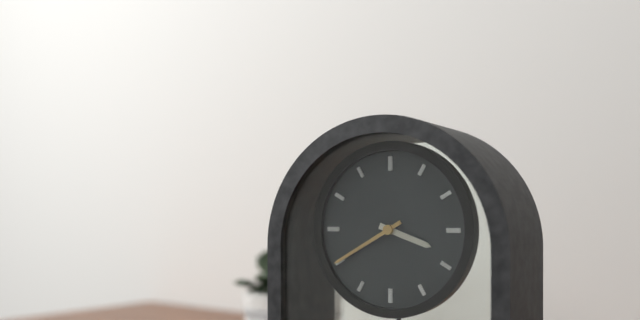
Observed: 3:40
